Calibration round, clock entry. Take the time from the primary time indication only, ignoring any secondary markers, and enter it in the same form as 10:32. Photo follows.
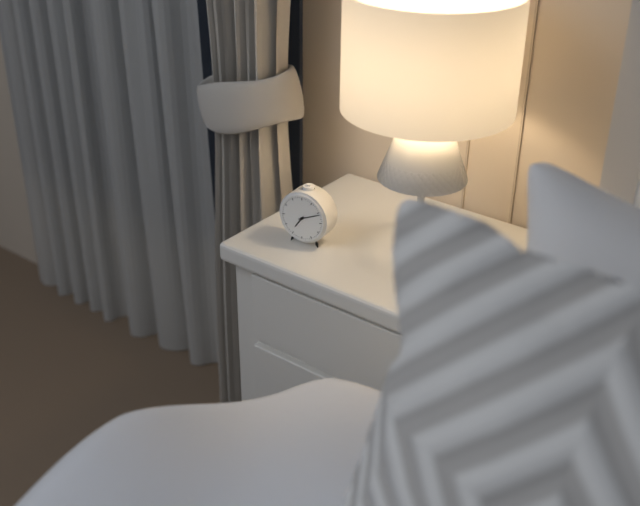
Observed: 7:11
